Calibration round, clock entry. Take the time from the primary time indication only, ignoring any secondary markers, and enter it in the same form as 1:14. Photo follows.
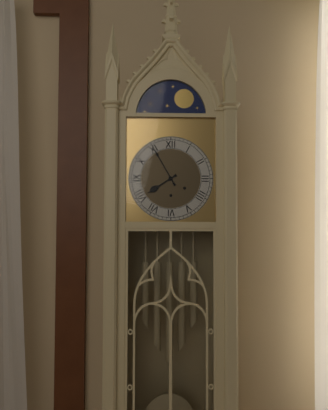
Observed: 7:55
